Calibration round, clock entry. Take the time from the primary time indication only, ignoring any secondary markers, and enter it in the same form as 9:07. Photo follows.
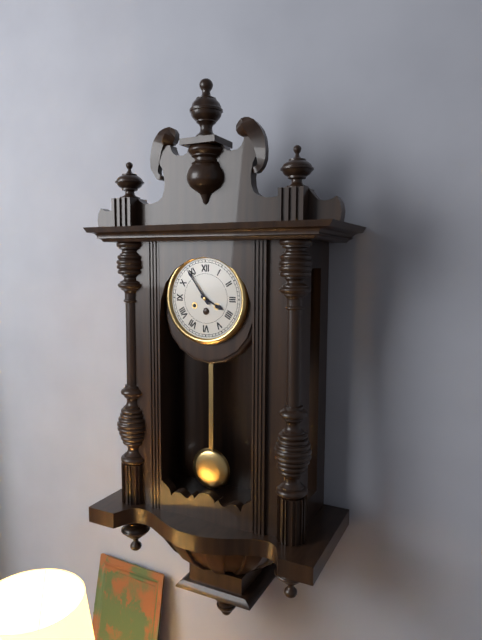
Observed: 3:54
